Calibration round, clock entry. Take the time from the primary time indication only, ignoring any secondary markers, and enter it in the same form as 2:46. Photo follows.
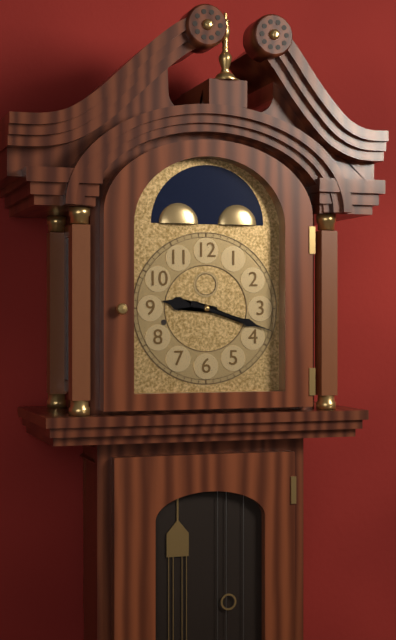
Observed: 9:18
